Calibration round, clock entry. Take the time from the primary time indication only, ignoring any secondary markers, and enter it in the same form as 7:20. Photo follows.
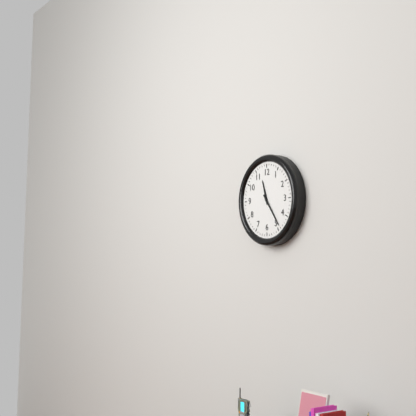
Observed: 11:24
